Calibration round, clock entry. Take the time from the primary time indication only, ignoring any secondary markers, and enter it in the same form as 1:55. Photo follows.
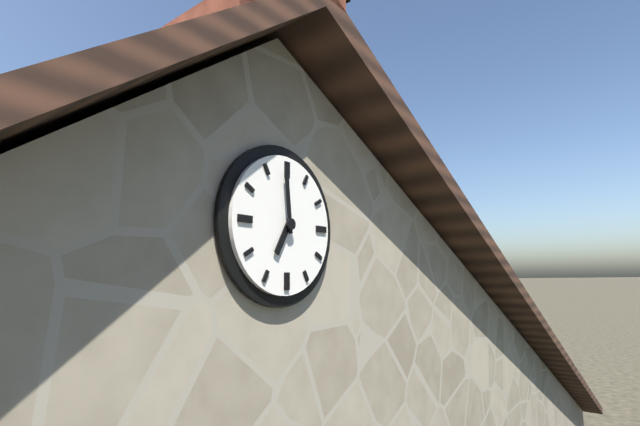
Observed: 6:59
